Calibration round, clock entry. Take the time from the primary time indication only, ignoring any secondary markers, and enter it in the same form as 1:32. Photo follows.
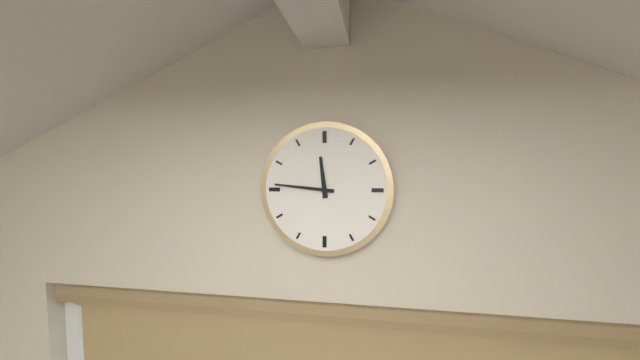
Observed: 11:46
